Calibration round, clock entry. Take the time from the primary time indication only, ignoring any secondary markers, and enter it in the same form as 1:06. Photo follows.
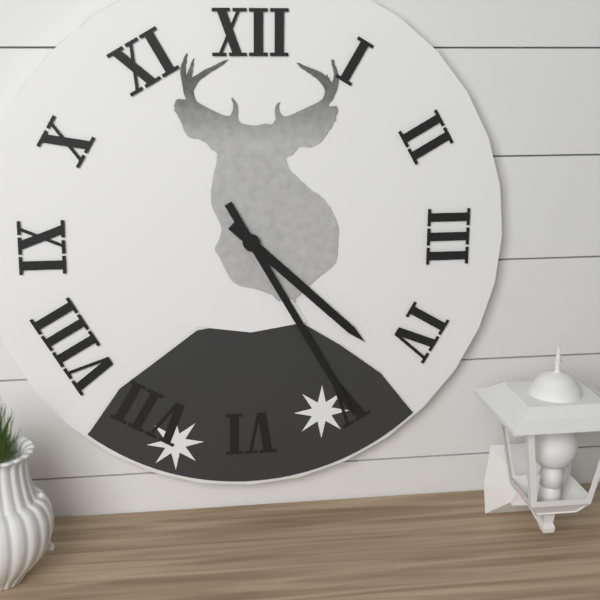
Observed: 4:25
